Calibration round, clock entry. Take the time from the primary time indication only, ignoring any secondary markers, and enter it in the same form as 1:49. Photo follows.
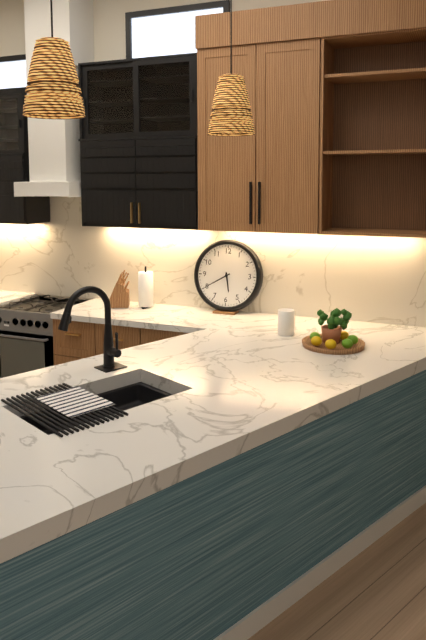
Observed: 5:40
